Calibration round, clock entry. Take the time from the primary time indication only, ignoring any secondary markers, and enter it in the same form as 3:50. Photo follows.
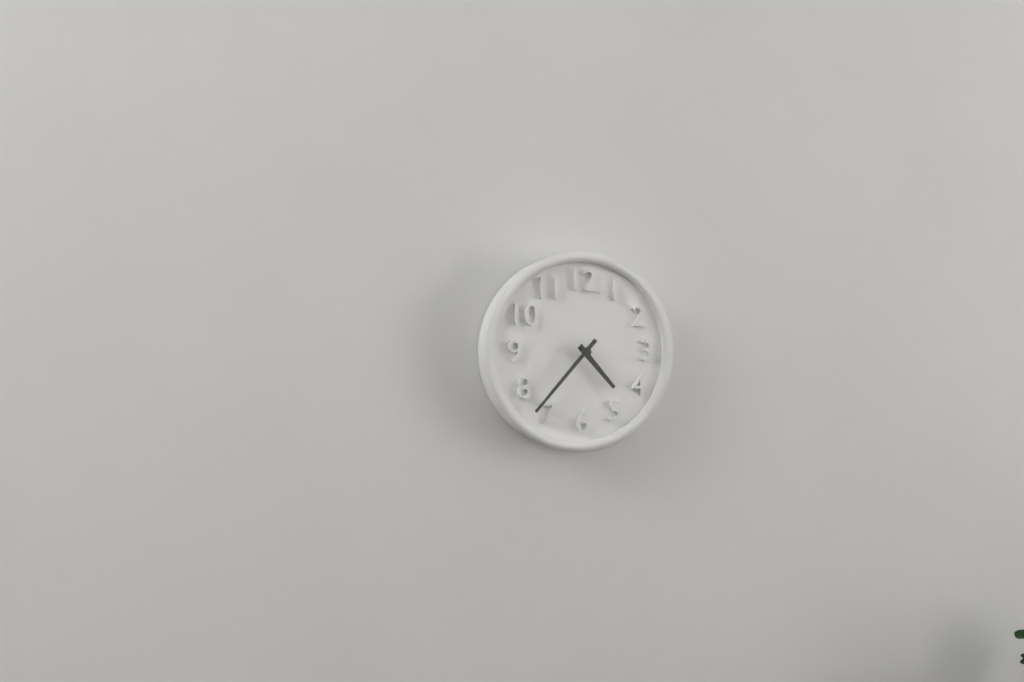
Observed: 4:37
